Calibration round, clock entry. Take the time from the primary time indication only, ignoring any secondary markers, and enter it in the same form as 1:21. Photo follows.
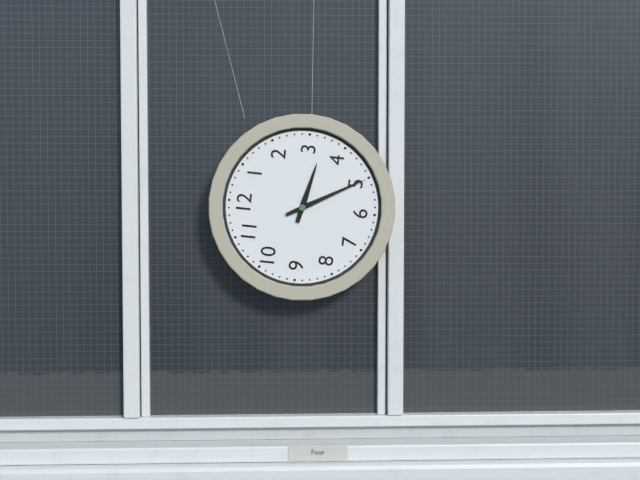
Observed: 3:25
